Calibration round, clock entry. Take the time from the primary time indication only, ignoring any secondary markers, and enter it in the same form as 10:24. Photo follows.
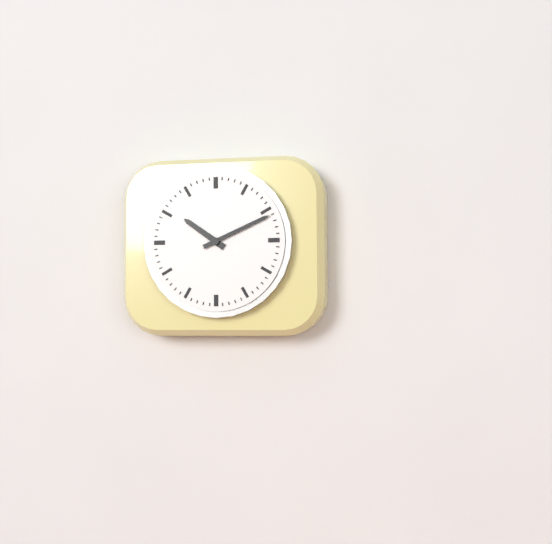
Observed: 10:11
